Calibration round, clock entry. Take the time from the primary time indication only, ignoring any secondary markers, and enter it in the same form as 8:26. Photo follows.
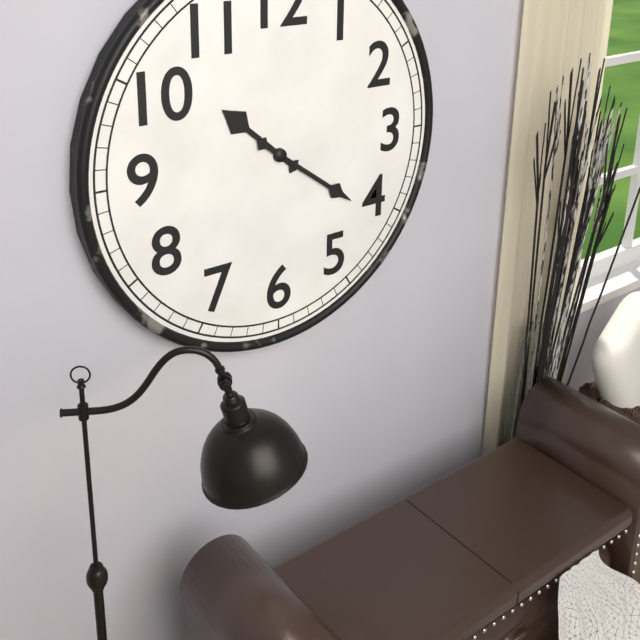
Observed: 10:21
